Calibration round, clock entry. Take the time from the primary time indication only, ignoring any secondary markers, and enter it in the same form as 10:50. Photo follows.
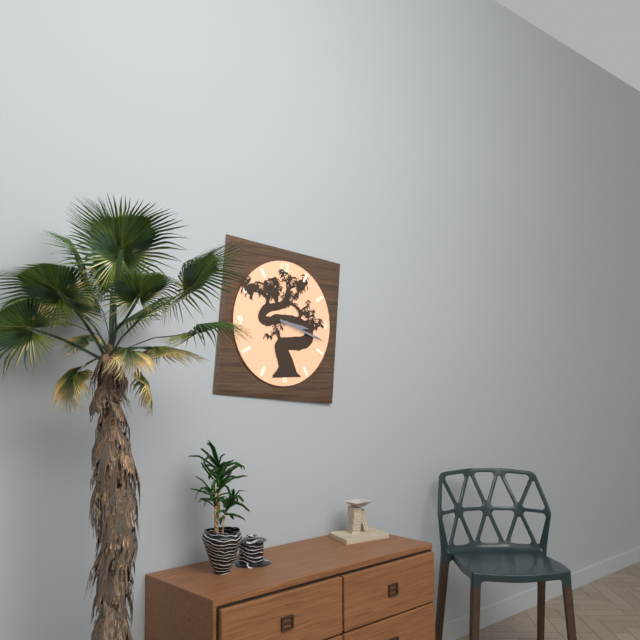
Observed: 3:18
